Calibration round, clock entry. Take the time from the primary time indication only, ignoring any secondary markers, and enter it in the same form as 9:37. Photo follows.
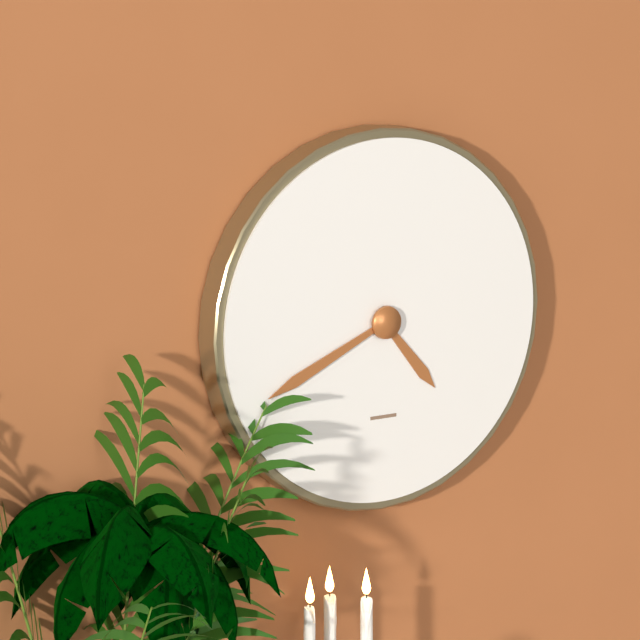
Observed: 4:41
